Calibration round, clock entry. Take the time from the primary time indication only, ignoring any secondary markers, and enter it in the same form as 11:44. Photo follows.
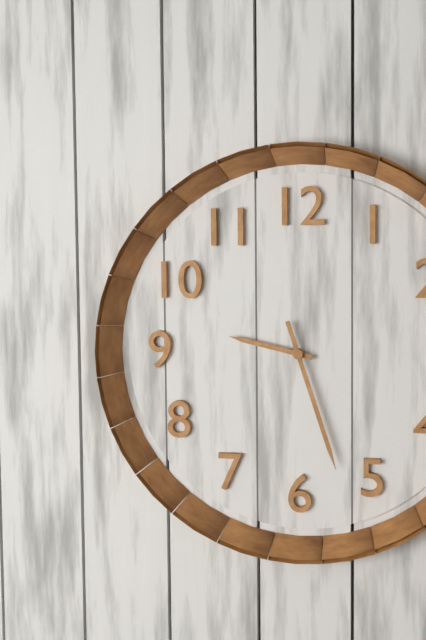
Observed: 9:27
